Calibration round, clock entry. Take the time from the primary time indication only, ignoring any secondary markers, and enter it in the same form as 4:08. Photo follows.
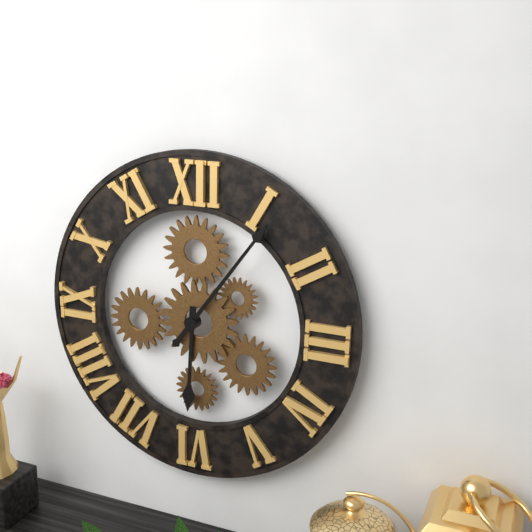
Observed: 6:06
